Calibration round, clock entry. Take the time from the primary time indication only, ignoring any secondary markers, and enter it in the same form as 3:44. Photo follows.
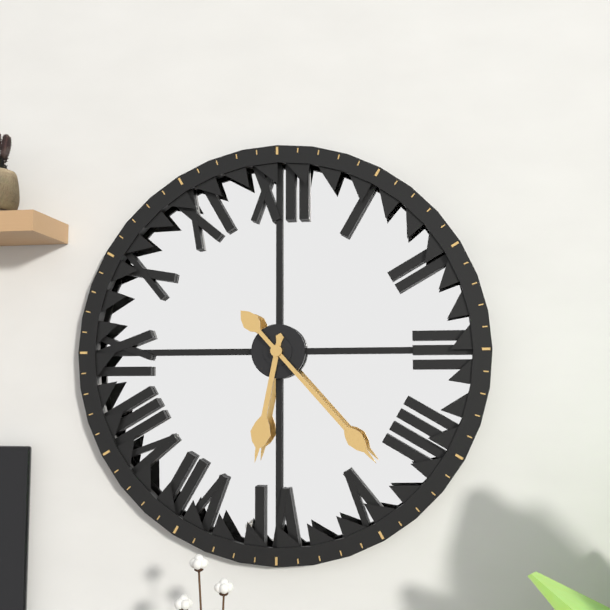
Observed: 6:23
